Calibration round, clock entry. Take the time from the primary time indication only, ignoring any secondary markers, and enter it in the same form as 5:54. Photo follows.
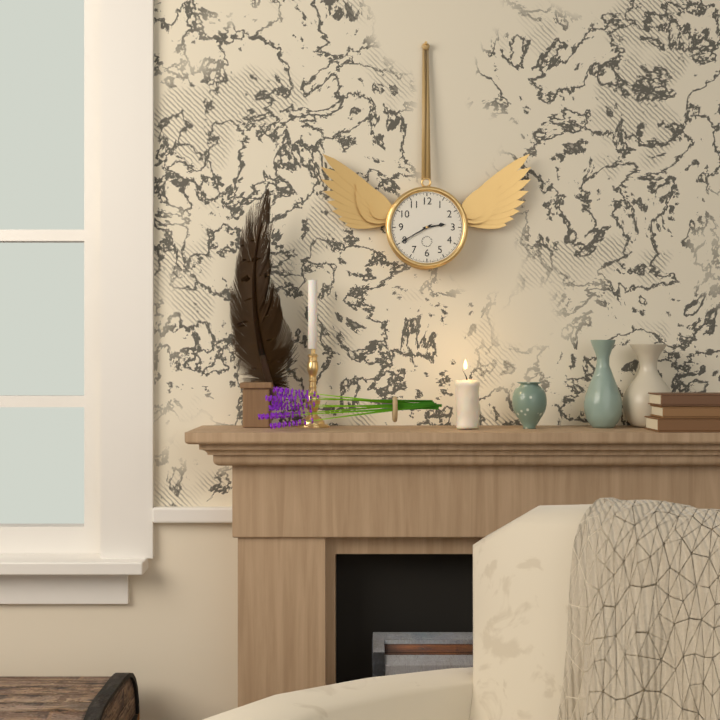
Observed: 2:40
